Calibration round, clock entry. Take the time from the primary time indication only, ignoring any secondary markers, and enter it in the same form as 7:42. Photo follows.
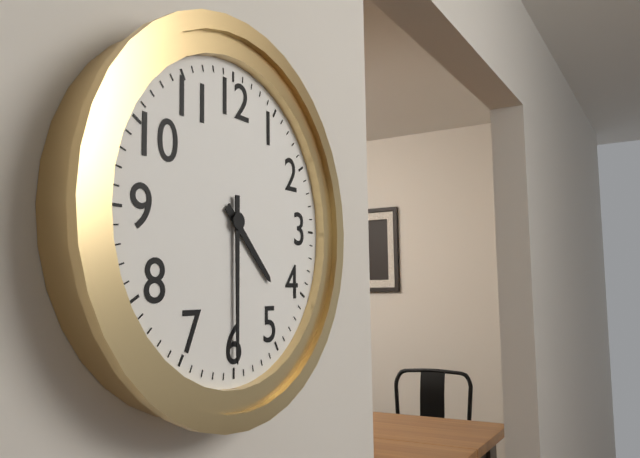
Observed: 4:30
